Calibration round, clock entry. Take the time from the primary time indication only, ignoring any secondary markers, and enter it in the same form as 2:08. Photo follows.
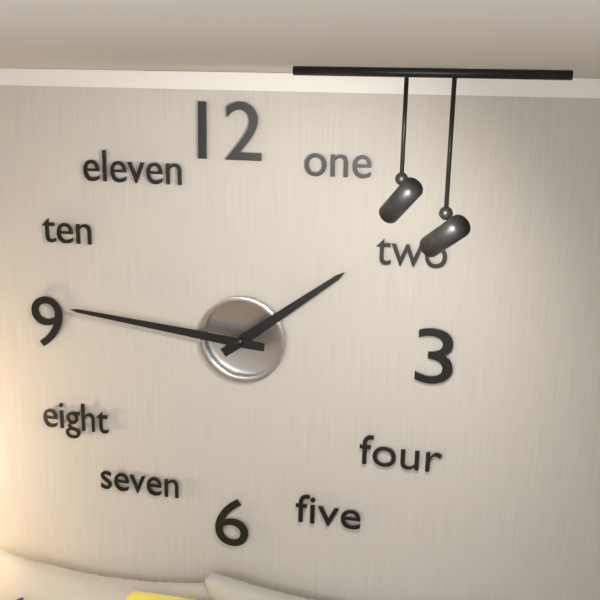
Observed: 1:46
